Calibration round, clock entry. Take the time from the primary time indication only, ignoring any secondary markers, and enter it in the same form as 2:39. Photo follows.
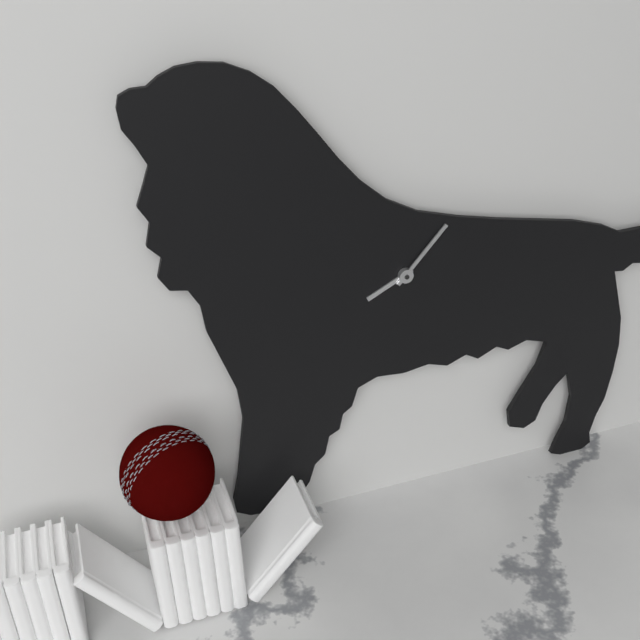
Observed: 8:07
